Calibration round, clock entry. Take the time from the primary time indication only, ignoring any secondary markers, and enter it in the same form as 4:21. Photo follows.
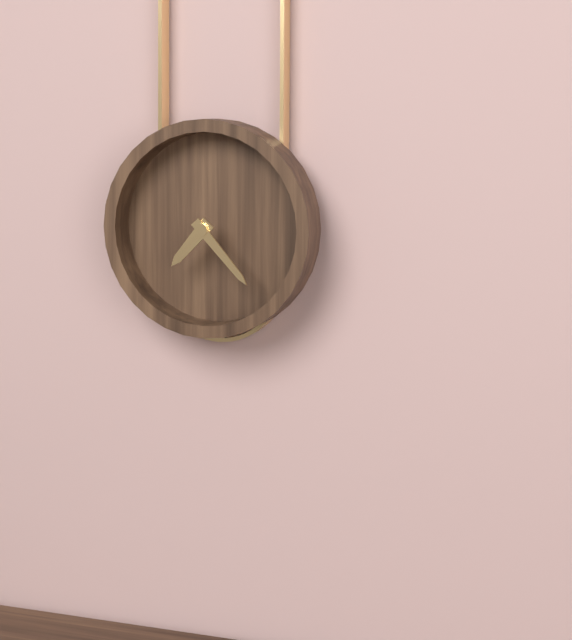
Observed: 7:23
